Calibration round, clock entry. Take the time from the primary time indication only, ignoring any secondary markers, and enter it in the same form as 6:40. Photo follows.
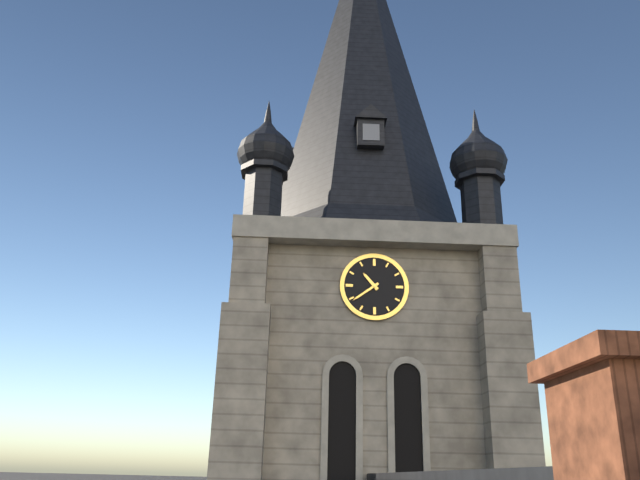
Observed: 10:39
